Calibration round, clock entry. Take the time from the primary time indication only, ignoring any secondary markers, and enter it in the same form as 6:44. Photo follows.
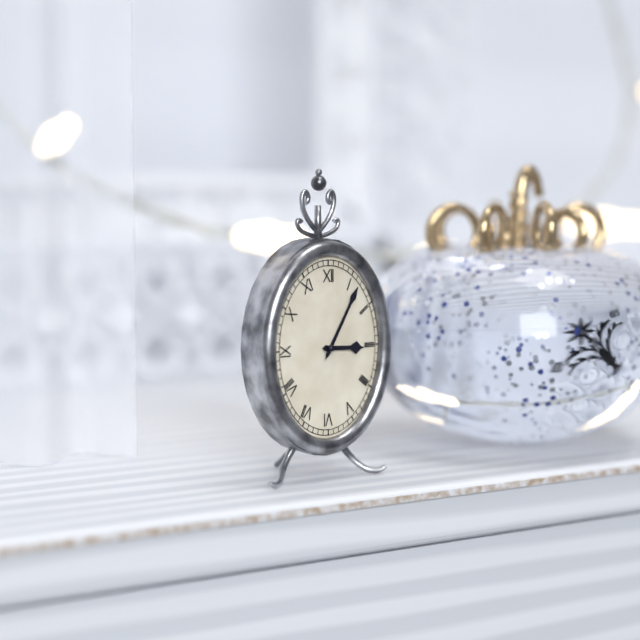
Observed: 3:05
